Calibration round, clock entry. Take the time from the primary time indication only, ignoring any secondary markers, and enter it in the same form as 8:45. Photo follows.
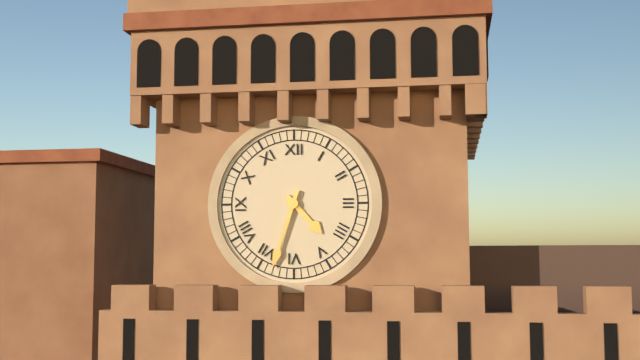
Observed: 4:33
